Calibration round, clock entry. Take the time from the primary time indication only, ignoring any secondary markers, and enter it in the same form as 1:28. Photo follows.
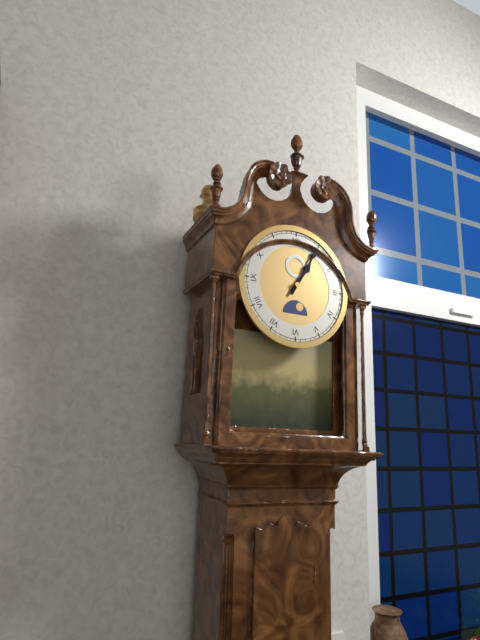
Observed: 1:05
